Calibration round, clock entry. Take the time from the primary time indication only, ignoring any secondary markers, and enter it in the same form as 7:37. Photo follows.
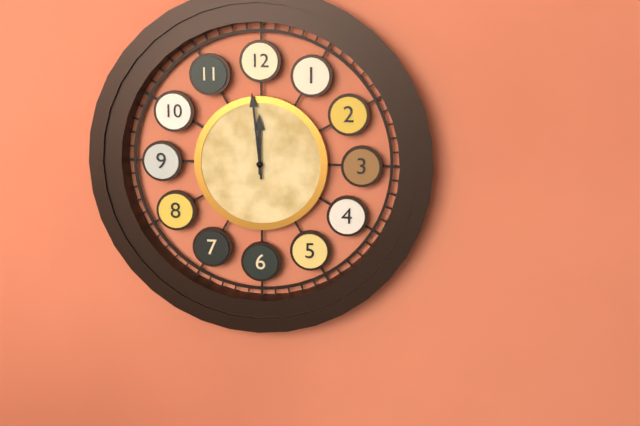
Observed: 11:59
